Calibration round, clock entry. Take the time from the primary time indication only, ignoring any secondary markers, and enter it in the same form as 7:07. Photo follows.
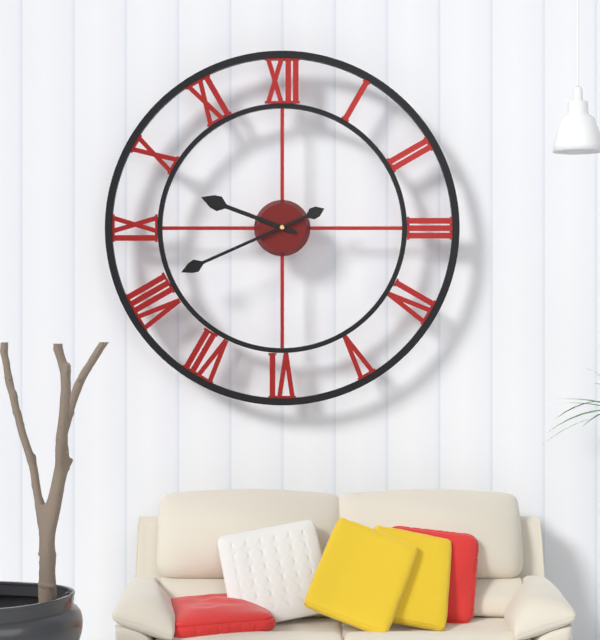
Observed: 9:41
